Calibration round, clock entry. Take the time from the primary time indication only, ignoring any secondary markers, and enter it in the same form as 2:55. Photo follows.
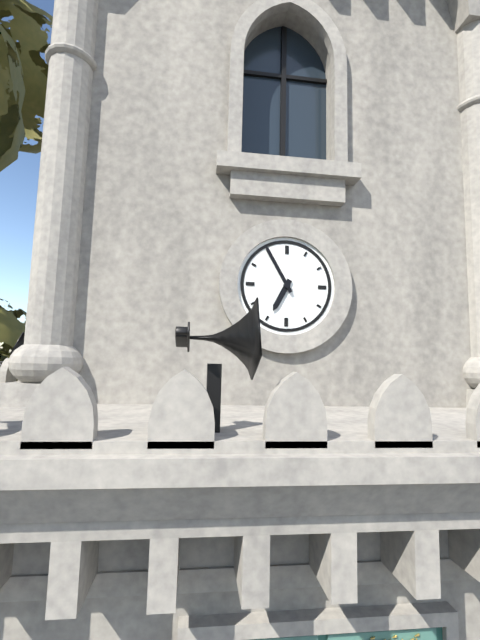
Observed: 6:55
